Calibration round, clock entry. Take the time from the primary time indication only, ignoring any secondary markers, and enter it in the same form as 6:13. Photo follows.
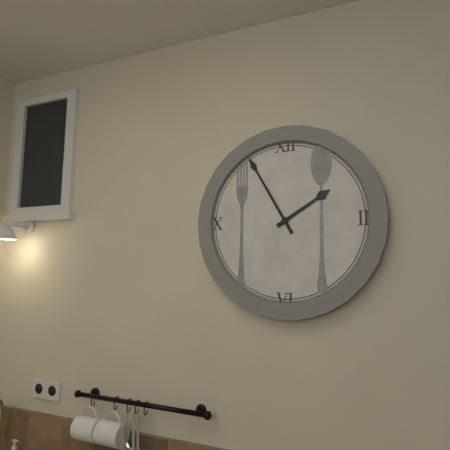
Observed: 1:55
